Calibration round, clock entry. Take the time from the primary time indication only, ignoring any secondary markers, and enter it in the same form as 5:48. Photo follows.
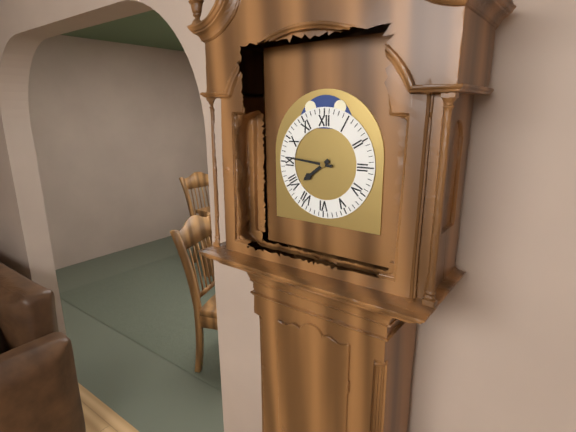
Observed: 7:46
